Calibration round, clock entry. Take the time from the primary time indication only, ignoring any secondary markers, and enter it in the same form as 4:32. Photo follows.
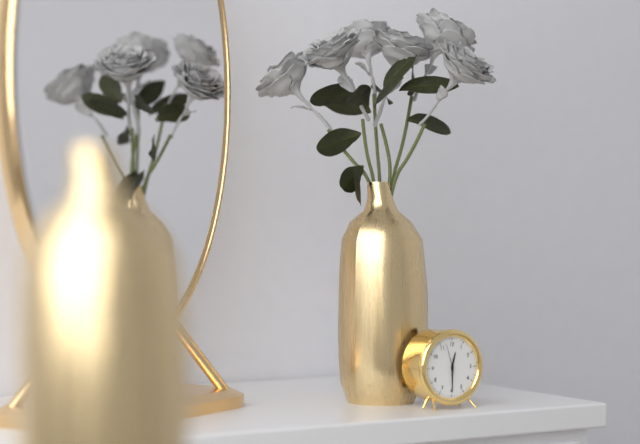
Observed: 12:30
